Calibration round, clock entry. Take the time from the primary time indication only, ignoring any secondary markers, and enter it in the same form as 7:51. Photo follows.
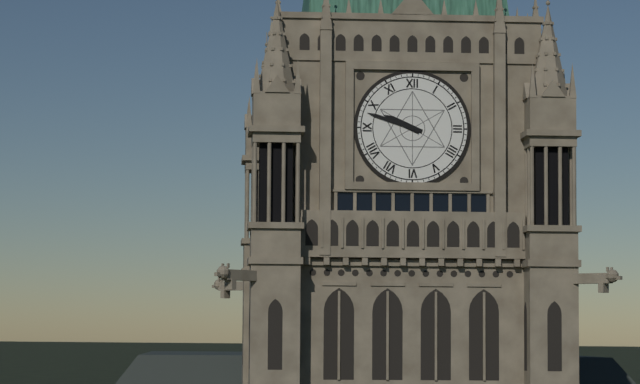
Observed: 9:48
